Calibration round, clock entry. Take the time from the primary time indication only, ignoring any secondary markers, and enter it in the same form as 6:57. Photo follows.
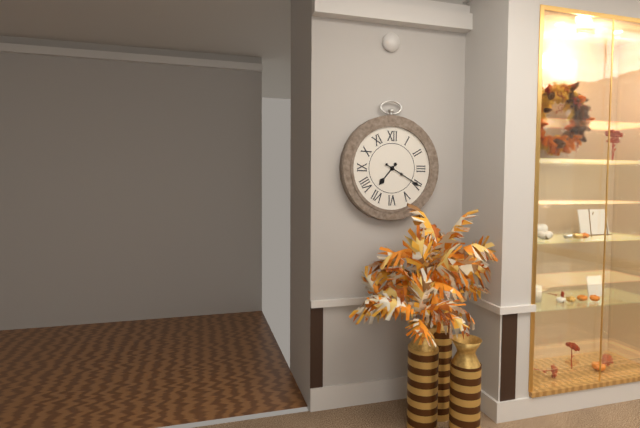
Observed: 7:20
